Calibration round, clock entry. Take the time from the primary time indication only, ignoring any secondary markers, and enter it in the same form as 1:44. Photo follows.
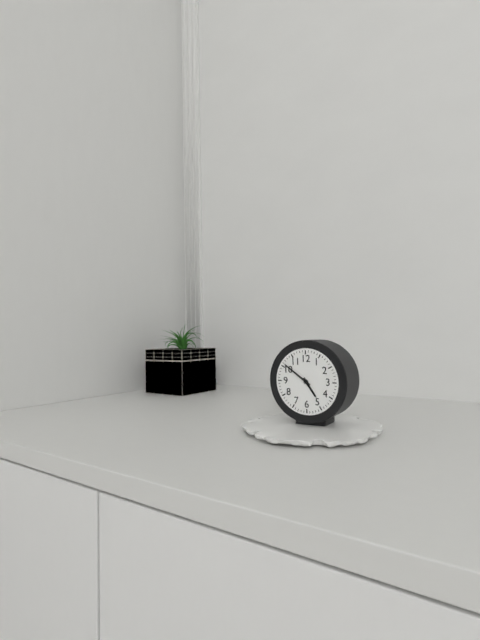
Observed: 4:51
